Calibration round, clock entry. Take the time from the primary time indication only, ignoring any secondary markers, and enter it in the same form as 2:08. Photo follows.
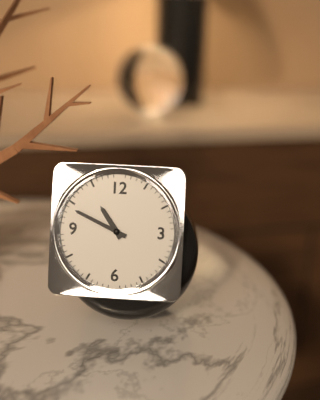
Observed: 10:49
